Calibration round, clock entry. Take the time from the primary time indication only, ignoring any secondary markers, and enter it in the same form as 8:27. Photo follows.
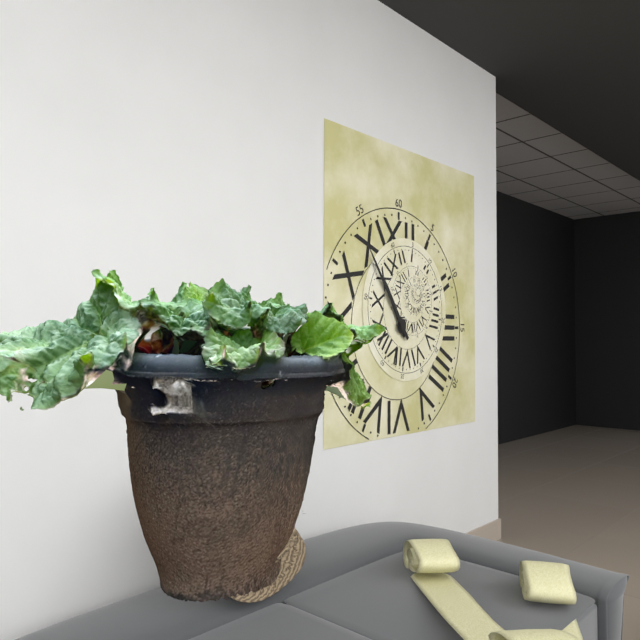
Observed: 10:54
